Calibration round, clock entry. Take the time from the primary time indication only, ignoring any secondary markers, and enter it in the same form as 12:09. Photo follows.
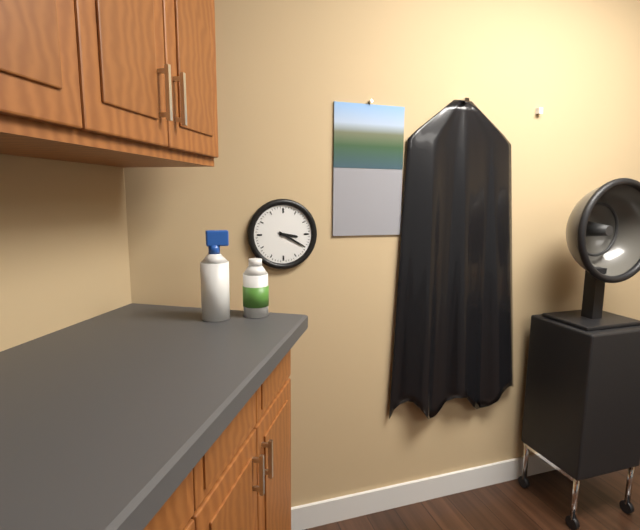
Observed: 3:20
